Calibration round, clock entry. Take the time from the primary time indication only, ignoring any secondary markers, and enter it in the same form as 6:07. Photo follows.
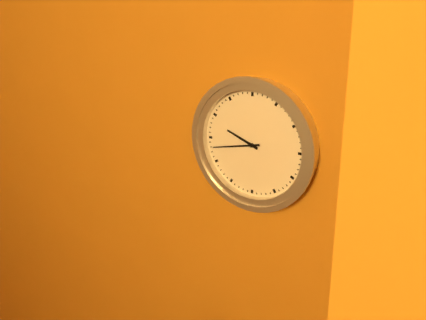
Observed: 9:43
